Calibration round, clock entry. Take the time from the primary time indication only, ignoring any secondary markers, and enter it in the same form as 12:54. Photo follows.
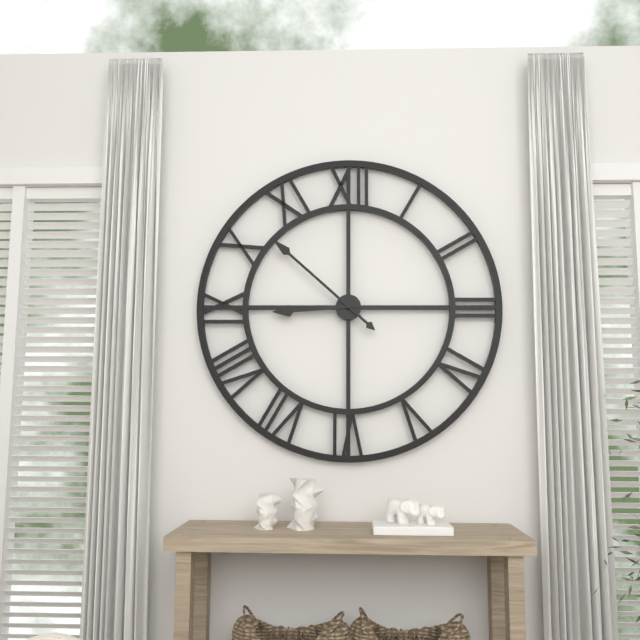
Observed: 8:52
